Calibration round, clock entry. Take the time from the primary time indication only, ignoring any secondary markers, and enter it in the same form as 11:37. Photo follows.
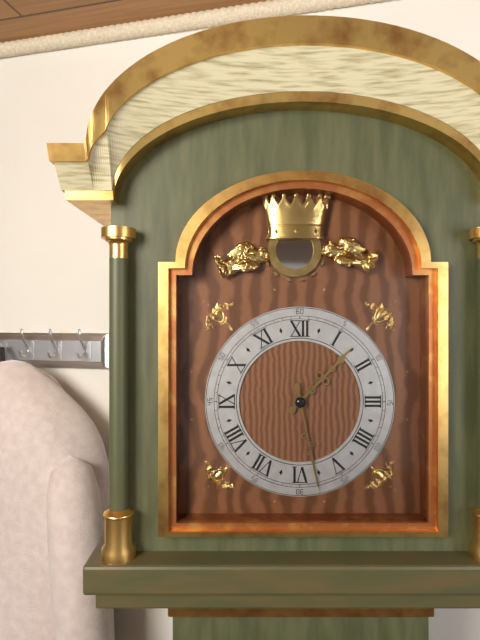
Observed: 1:28
